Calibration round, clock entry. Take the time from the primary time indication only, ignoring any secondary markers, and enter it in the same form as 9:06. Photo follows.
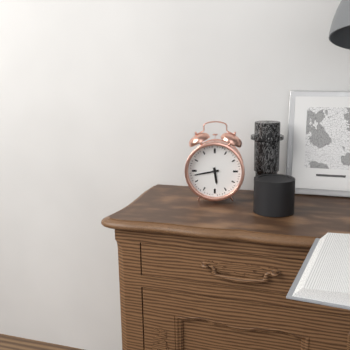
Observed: 5:43
